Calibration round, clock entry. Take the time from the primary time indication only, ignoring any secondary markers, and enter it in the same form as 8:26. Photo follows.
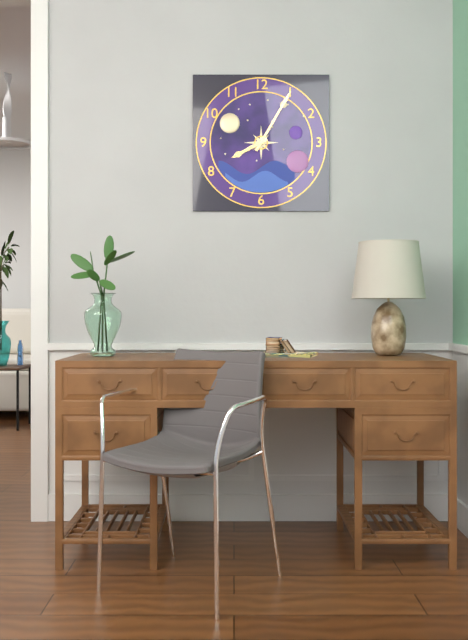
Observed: 8:05
